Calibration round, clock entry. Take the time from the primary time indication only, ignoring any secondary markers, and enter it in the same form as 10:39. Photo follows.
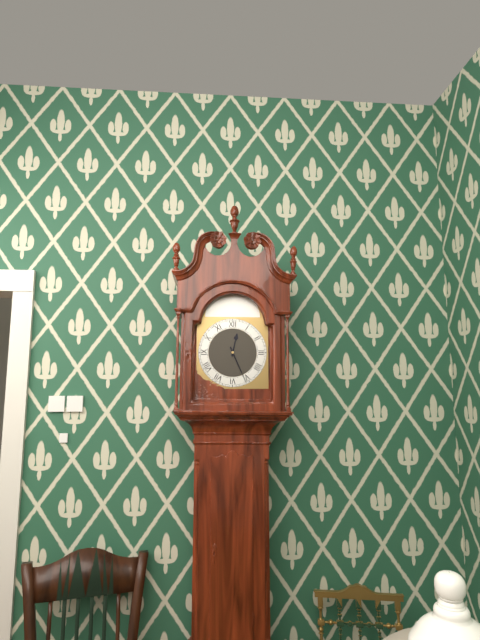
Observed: 12:26
